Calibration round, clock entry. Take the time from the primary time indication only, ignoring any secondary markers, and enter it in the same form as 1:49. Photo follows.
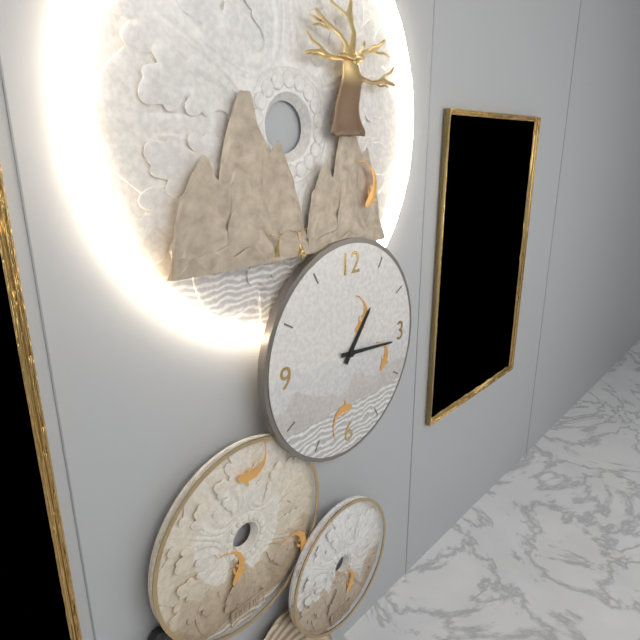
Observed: 1:16
